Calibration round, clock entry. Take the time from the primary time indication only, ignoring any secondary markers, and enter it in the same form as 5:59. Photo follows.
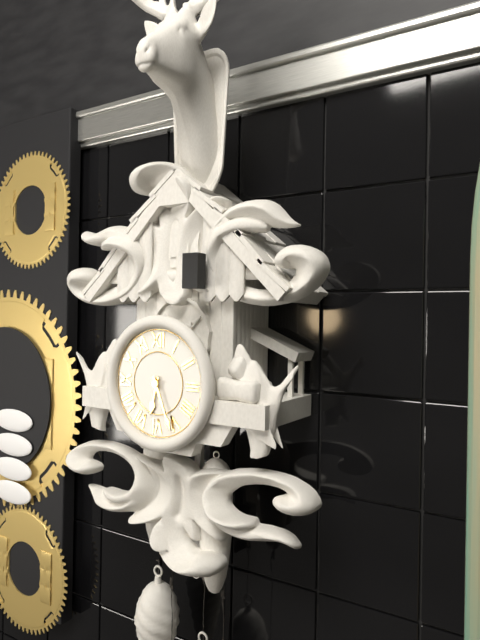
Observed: 6:26
